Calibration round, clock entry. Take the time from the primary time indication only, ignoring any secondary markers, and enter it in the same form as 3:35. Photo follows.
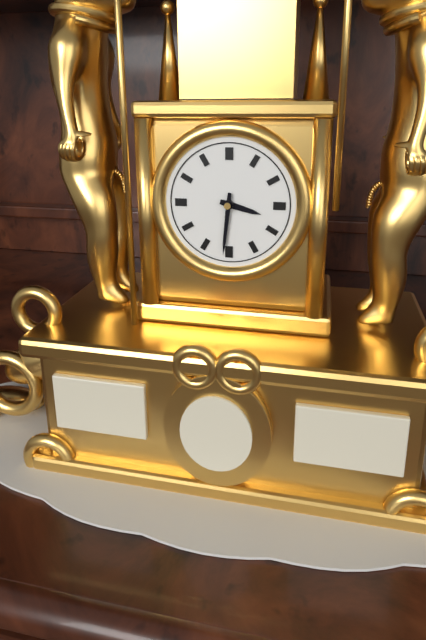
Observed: 3:31
